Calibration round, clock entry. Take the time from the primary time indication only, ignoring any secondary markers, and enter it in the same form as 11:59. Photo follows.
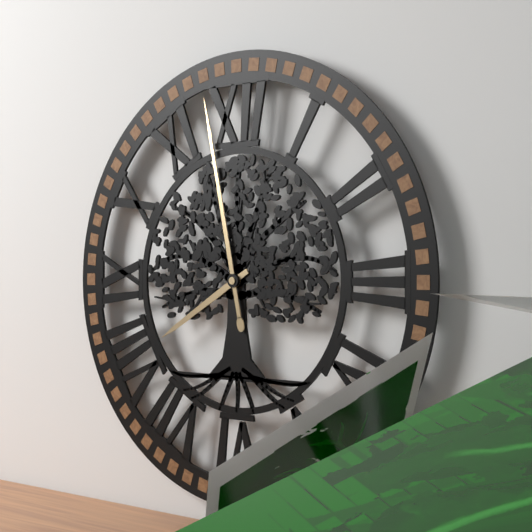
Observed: 7:58
